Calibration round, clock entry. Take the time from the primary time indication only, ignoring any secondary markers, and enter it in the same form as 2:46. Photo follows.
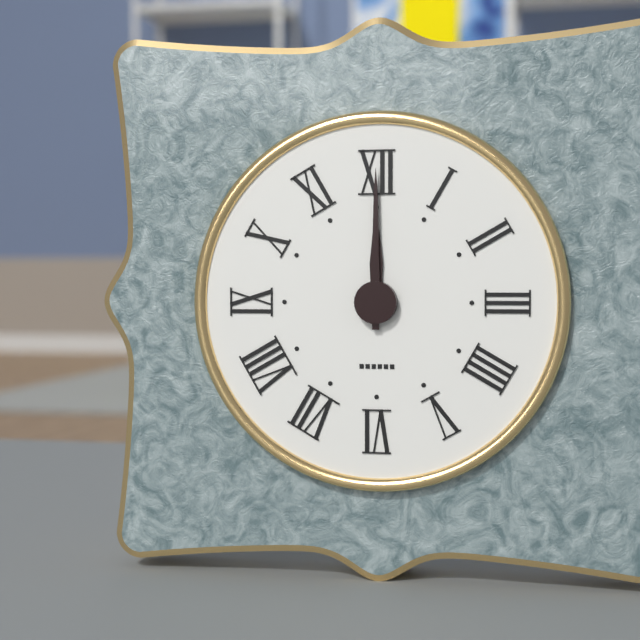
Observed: 12:00
